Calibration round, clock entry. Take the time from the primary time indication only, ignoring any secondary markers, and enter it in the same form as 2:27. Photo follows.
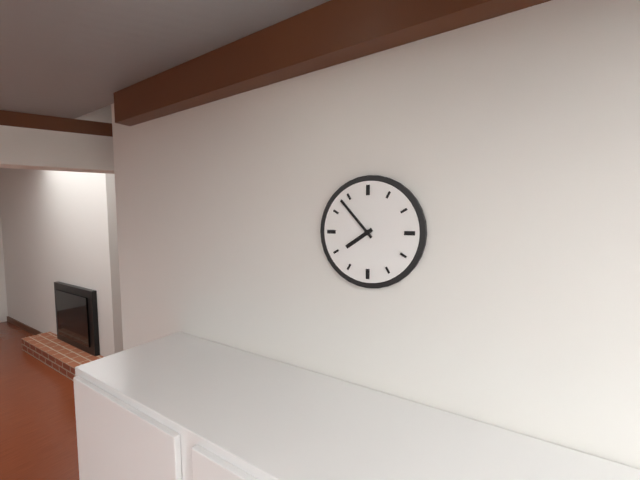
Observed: 7:53
